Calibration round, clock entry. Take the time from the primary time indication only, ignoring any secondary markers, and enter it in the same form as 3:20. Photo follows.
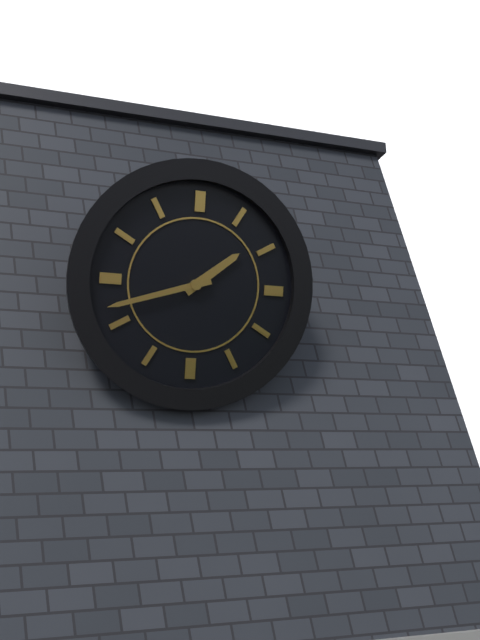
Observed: 1:42
